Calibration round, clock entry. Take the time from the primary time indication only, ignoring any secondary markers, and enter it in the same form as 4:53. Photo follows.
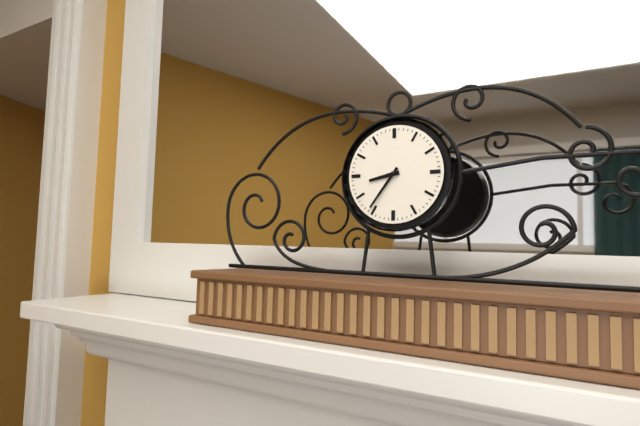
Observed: 8:36
